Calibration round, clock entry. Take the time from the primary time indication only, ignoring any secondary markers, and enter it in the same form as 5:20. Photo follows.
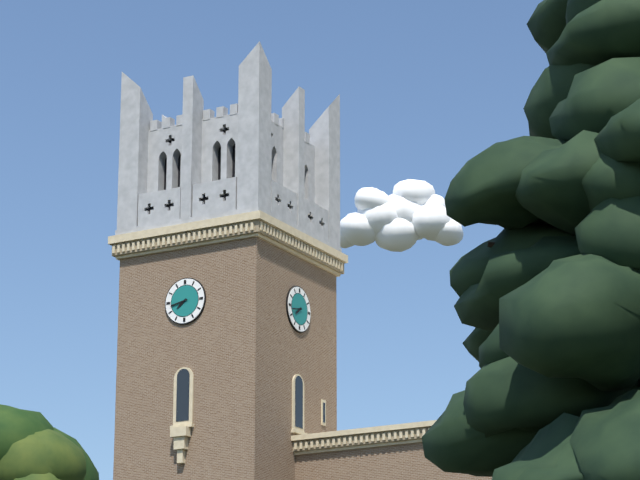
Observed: 7:43
